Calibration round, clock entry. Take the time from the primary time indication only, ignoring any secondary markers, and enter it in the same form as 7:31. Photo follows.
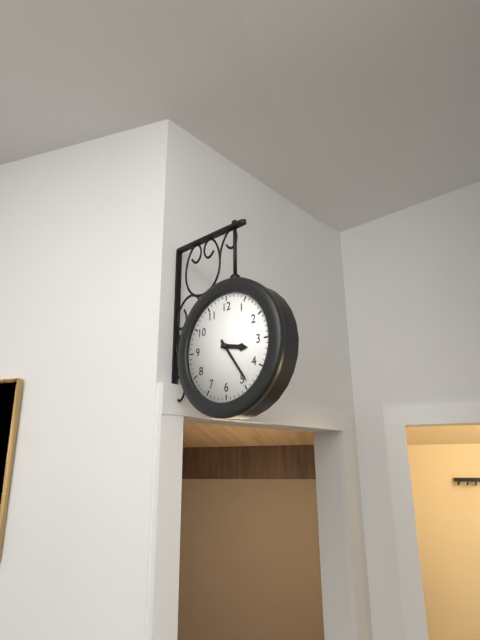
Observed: 3:24
